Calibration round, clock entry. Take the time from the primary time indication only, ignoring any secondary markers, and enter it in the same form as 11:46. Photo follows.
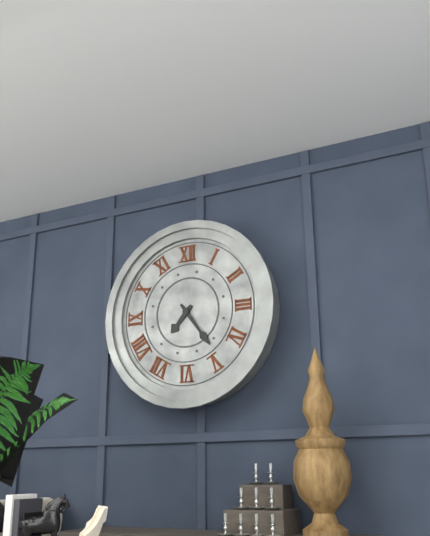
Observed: 7:24
